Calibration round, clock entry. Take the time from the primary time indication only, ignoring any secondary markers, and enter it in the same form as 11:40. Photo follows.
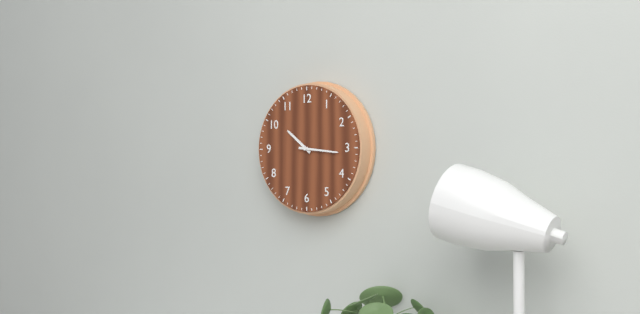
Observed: 10:16
